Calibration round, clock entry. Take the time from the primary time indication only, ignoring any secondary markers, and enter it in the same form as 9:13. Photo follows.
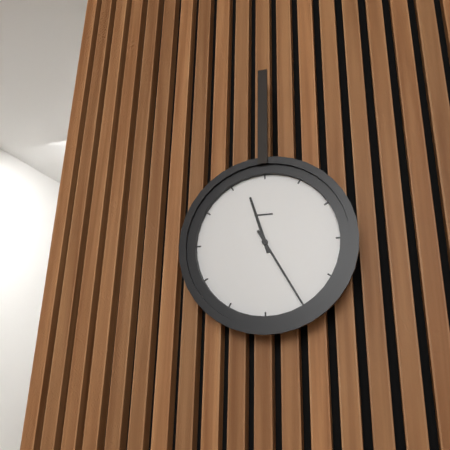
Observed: 11:25
